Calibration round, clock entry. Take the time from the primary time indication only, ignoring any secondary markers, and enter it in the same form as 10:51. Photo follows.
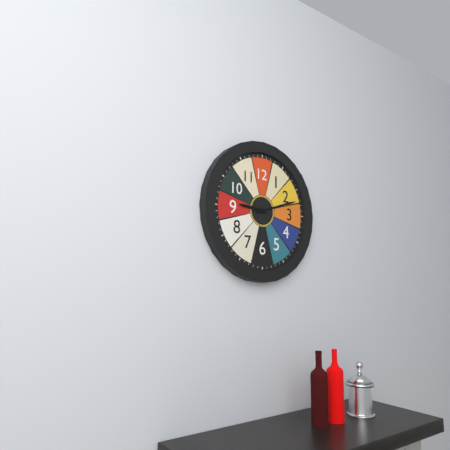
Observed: 9:12
